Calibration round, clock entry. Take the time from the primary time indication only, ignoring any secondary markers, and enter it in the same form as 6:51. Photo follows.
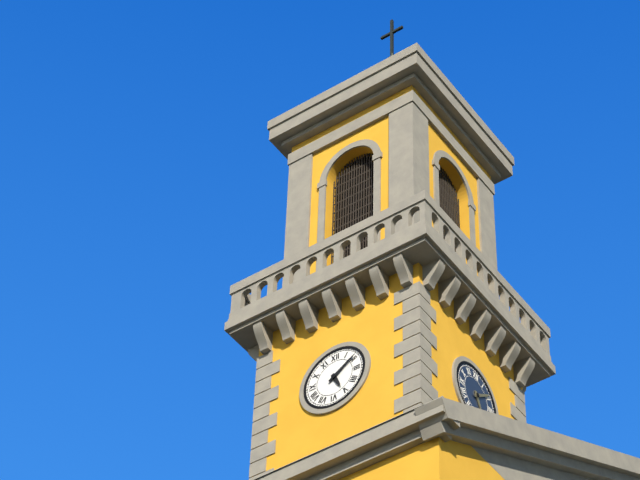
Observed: 5:09
